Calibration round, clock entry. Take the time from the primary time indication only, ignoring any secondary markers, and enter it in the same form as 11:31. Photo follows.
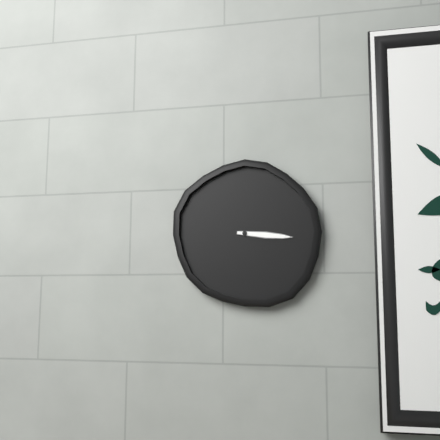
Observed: 4:16
